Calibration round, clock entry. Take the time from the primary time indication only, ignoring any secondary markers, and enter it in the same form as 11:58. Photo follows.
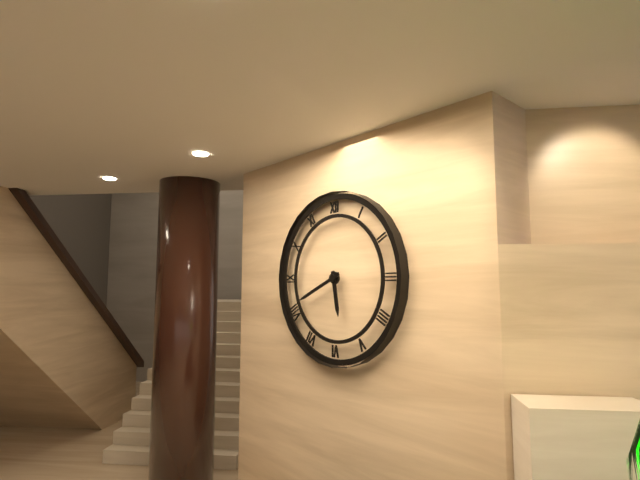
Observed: 5:41
